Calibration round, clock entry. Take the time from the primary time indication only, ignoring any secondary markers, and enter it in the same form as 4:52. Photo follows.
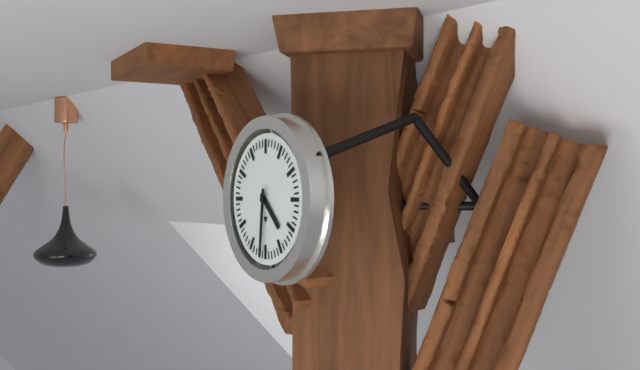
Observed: 4:31
